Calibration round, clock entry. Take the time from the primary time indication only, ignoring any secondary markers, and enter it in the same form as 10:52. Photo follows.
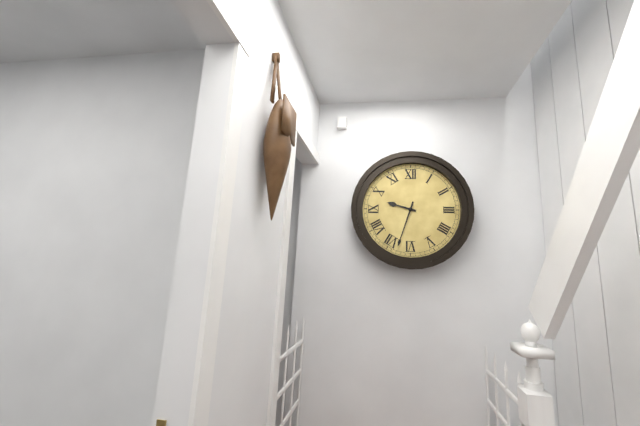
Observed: 9:33
